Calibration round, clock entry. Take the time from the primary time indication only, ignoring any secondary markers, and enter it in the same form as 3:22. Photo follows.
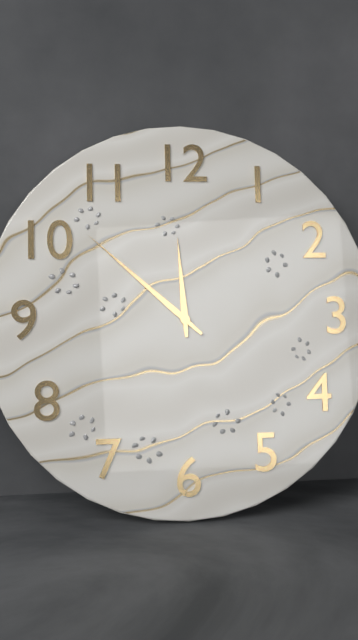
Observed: 11:52
